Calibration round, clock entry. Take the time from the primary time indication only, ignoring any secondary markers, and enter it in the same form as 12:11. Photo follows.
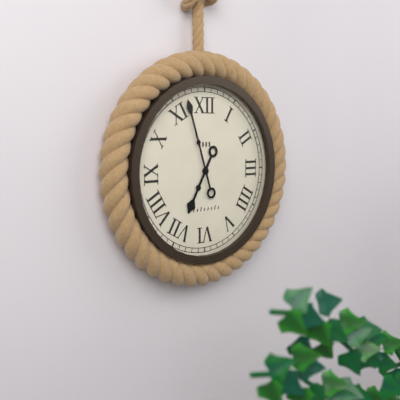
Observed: 6:57
